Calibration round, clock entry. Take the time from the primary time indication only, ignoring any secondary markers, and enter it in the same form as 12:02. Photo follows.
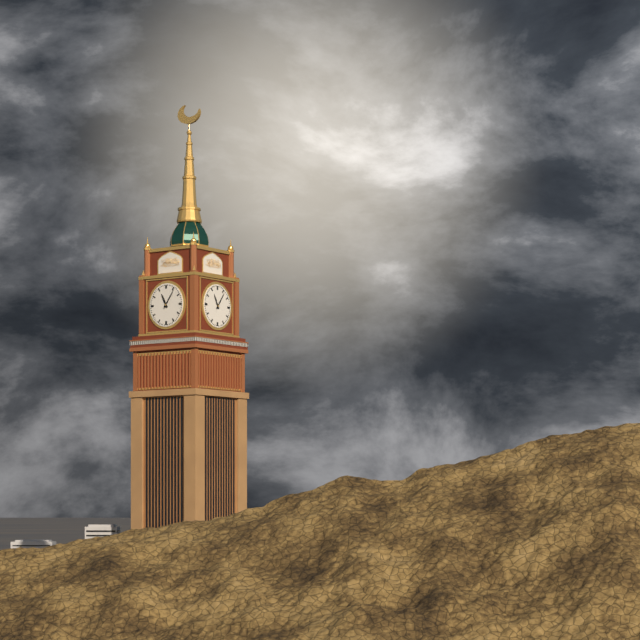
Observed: 11:06
